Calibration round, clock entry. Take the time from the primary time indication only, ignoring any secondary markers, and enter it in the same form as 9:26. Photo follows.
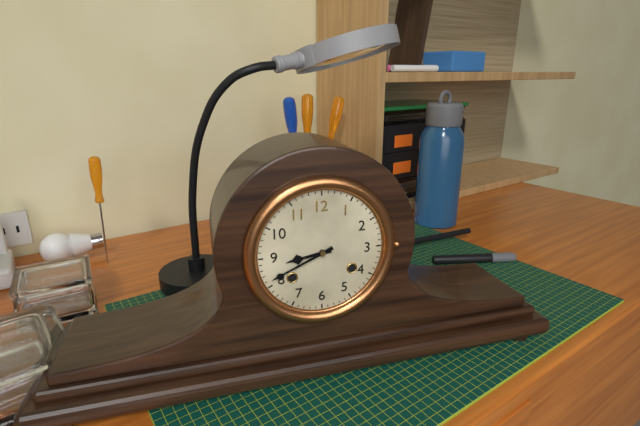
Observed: 8:41
